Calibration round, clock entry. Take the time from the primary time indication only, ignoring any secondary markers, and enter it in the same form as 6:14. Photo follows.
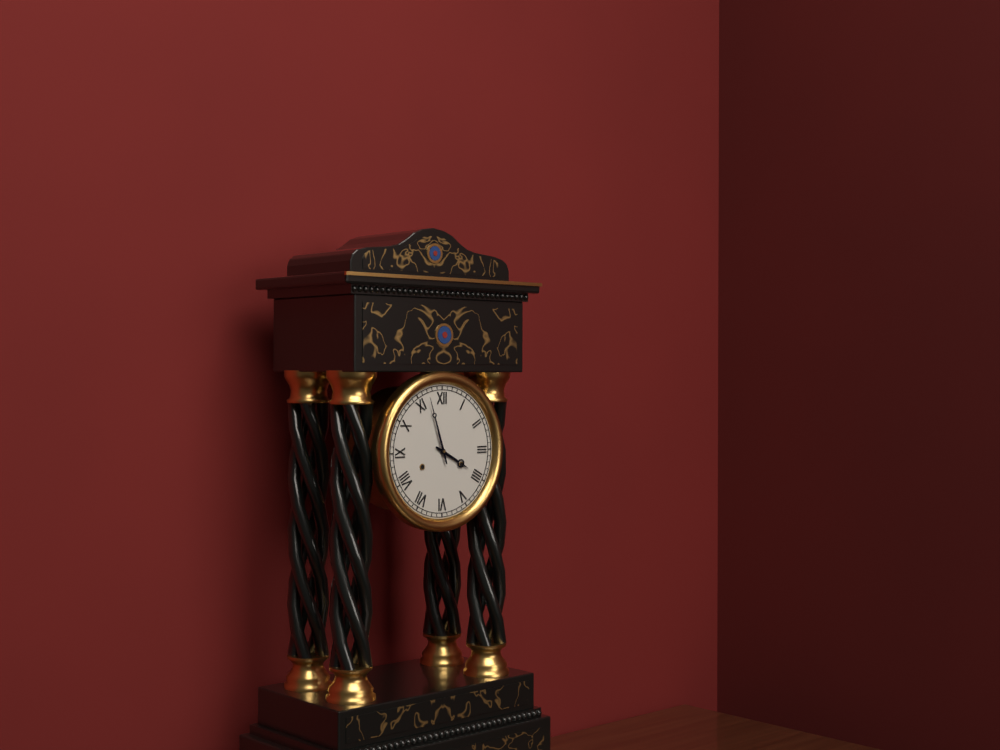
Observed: 3:57
